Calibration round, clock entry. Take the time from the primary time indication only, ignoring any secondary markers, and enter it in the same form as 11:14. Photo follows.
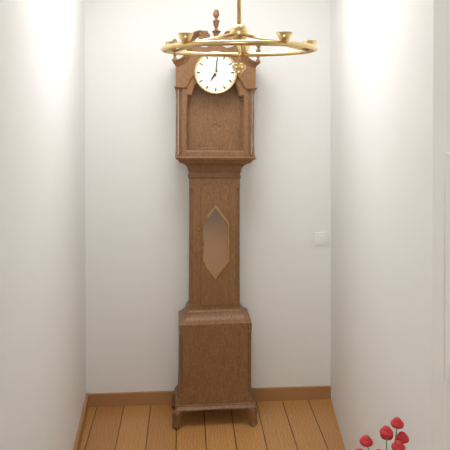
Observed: 7:01
